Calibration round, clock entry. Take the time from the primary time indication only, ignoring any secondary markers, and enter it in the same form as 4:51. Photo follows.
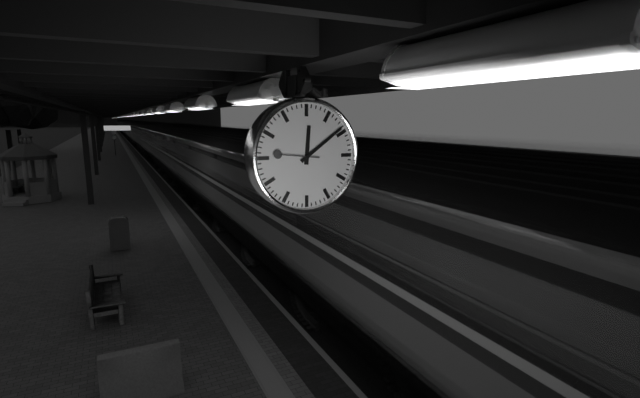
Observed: 12:09
